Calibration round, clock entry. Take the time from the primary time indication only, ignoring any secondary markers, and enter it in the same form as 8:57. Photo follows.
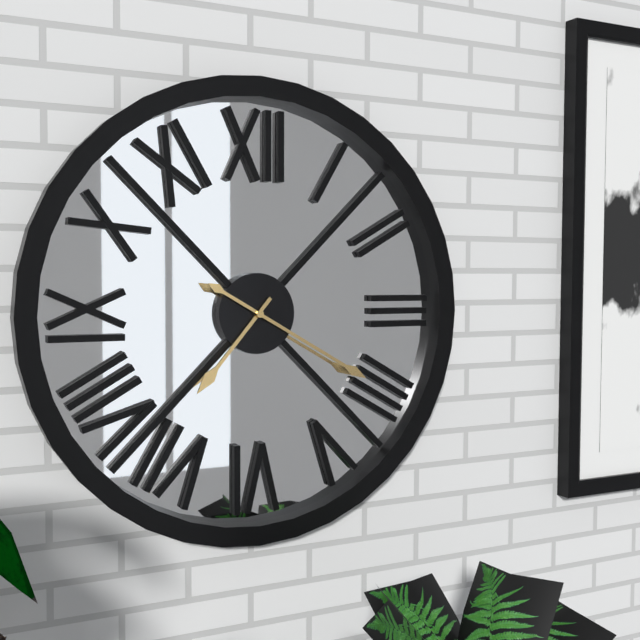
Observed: 7:20
